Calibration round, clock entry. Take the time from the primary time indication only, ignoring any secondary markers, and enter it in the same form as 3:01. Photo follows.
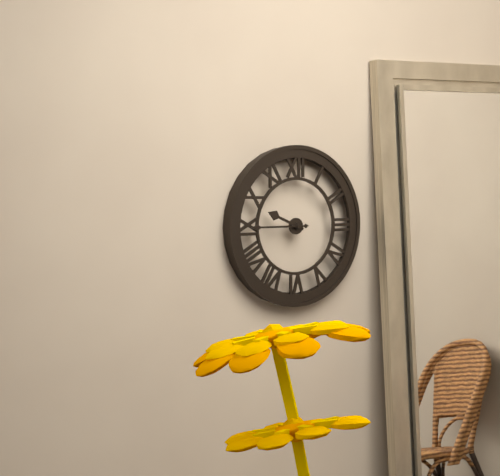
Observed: 9:45
